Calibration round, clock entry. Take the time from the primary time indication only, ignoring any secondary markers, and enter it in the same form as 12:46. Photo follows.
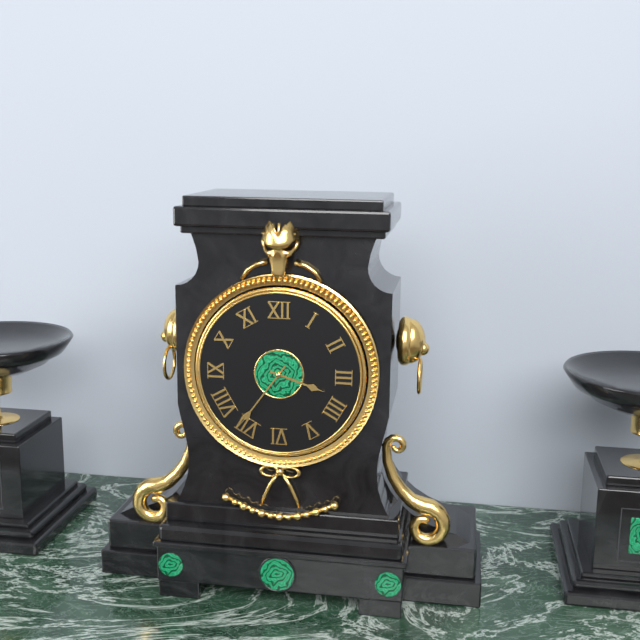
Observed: 3:36
